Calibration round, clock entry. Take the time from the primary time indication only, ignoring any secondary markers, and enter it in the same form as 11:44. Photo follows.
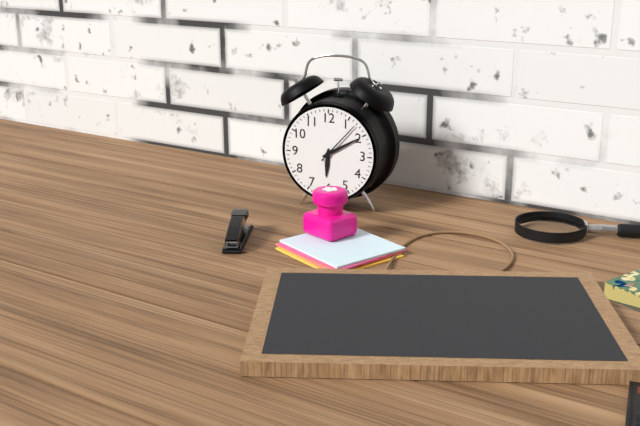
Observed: 6:10
